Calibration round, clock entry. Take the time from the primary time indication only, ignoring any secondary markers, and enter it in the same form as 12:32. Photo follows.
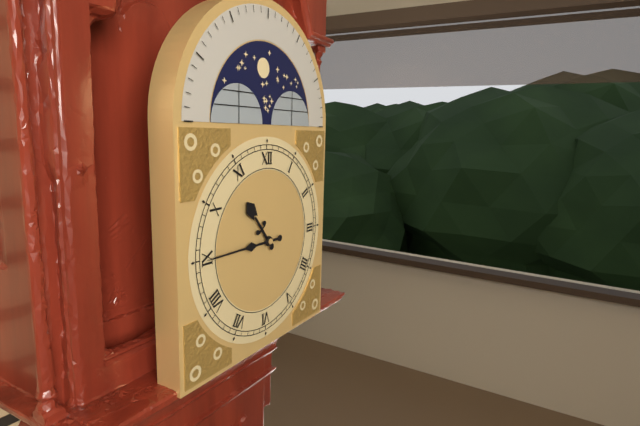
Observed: 10:45
